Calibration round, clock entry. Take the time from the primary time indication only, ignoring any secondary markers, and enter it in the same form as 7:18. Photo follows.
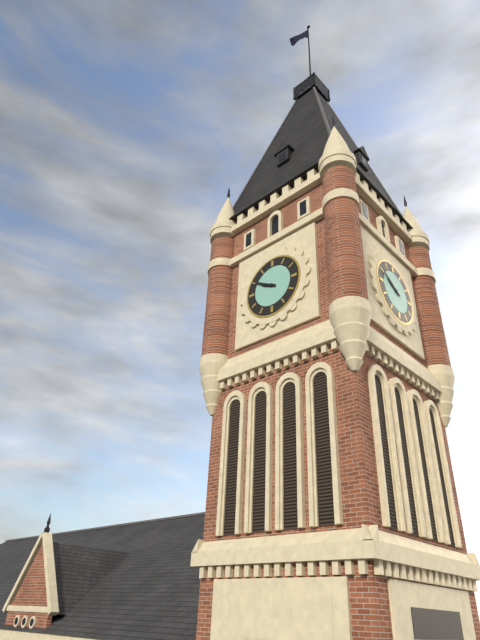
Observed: 9:50
